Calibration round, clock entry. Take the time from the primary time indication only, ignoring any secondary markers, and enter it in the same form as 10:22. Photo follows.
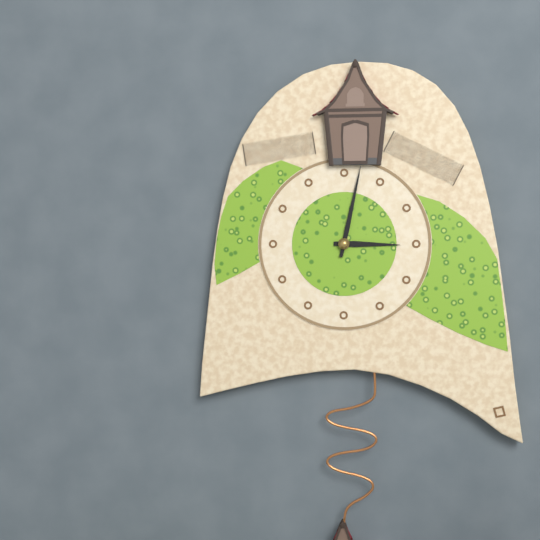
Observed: 3:02
